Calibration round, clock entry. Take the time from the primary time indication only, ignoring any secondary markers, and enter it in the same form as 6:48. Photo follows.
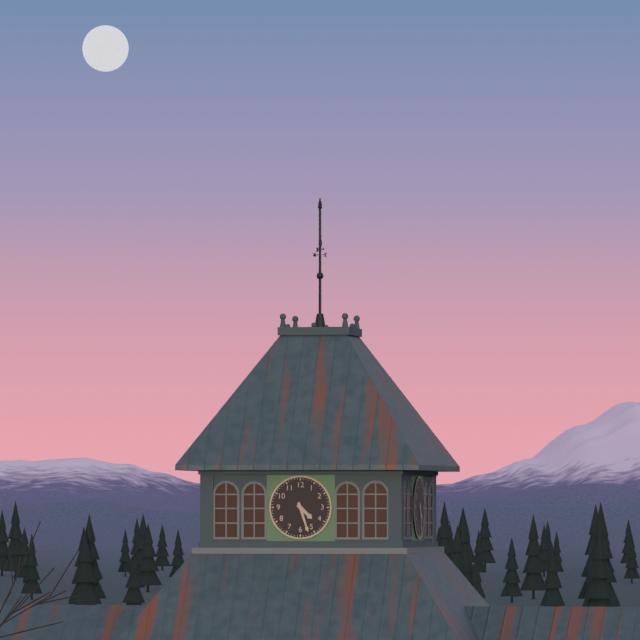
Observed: 4:27
